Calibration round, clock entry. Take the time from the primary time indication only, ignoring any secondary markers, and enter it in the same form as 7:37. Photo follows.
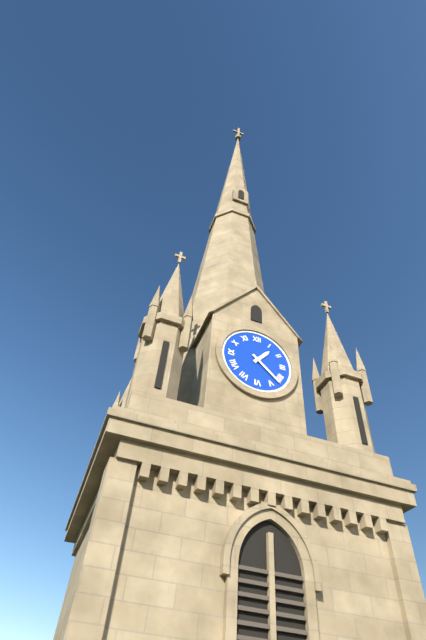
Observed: 1:22
